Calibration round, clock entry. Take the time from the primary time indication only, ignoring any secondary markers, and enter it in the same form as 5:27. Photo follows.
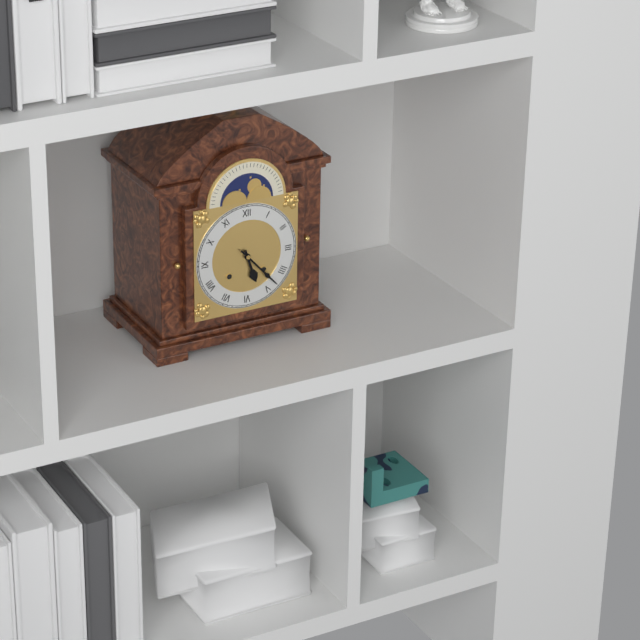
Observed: 5:23
